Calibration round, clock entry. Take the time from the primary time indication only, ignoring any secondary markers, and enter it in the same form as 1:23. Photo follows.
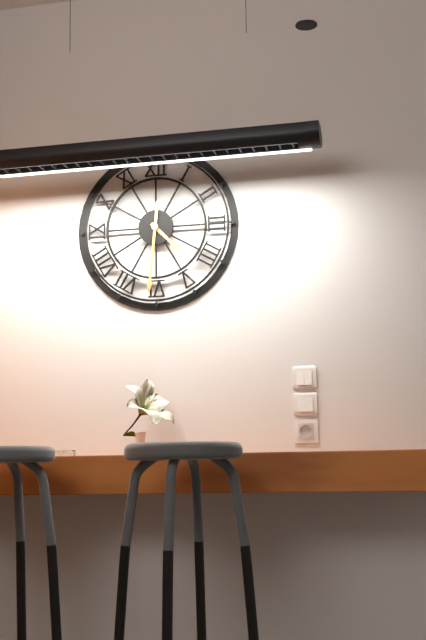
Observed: 4:31
